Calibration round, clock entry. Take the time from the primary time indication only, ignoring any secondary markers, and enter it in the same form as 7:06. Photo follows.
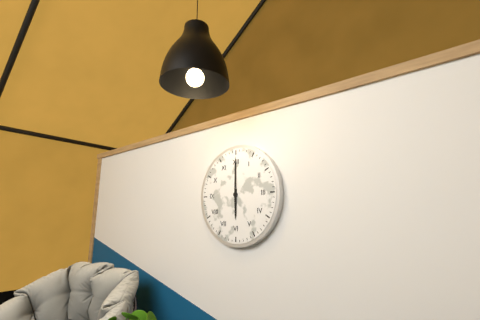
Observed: 6:00
